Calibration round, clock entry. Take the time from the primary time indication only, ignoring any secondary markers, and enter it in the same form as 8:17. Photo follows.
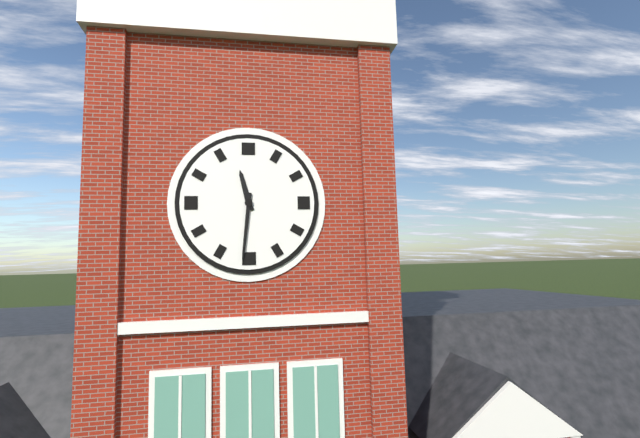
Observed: 11:31
